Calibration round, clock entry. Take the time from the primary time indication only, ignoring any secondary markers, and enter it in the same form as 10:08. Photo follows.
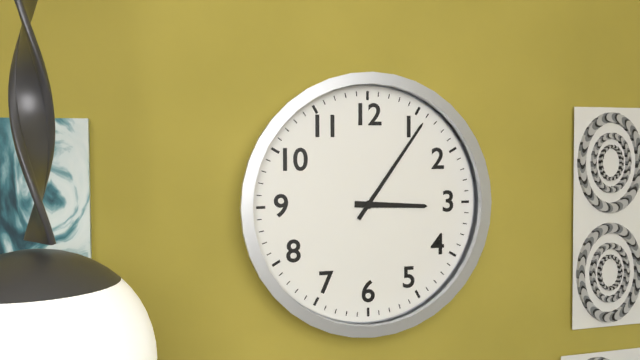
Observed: 3:06
